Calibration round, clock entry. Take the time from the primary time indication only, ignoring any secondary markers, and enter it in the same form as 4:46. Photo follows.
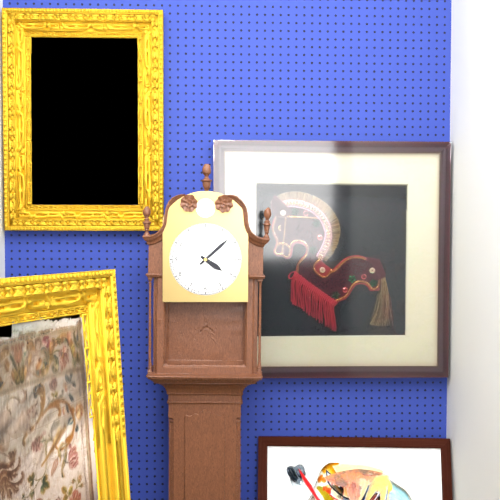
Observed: 4:08
